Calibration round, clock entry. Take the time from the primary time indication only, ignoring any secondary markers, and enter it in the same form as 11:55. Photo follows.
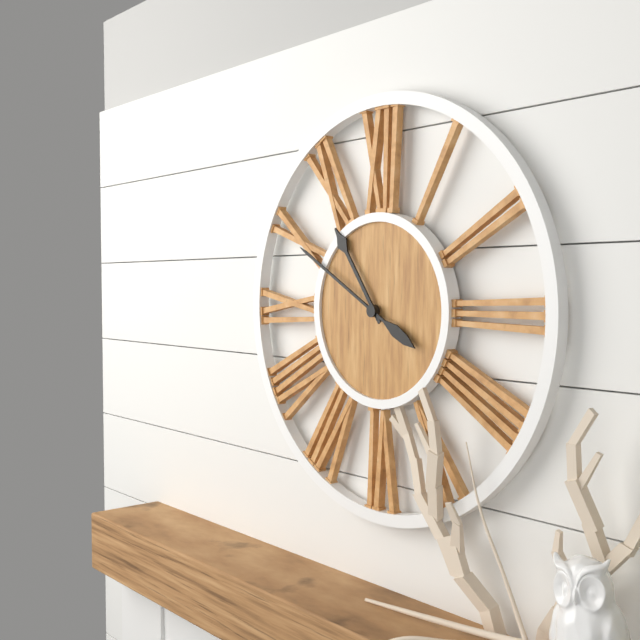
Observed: 10:50
